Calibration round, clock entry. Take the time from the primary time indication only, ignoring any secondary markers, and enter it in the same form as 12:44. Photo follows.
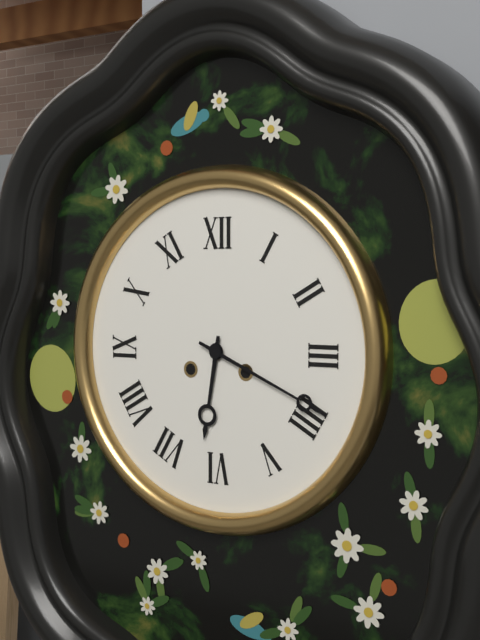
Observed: 6:19
